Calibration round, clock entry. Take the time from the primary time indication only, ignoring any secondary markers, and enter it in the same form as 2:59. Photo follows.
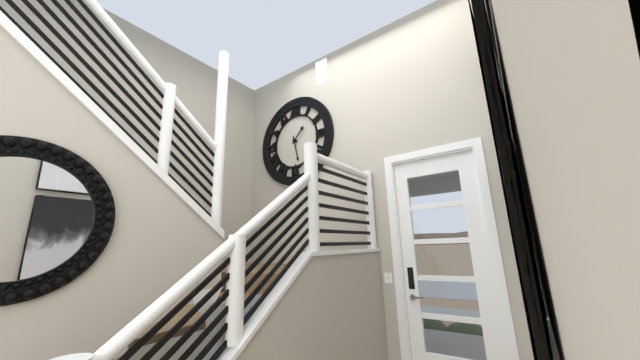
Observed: 1:28
